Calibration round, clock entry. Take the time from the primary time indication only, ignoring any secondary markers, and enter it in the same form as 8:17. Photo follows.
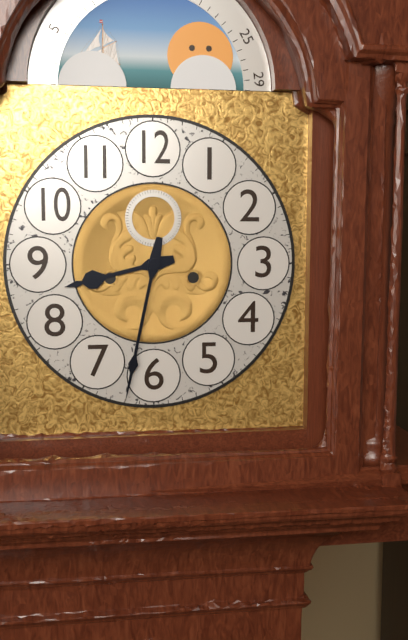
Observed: 8:32
